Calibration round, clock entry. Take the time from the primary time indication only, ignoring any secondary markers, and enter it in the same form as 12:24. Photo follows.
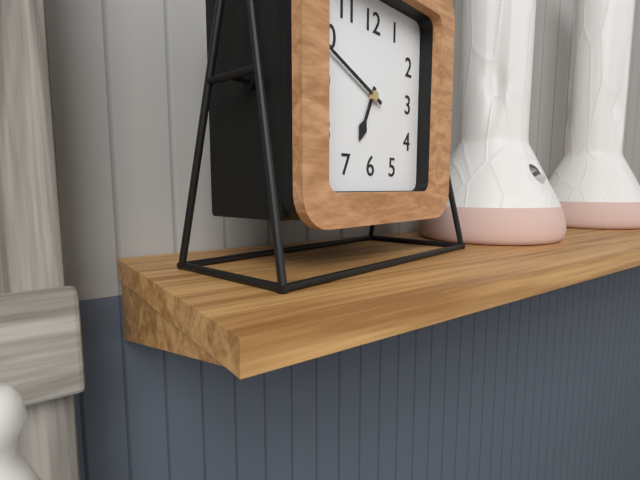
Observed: 6:49
